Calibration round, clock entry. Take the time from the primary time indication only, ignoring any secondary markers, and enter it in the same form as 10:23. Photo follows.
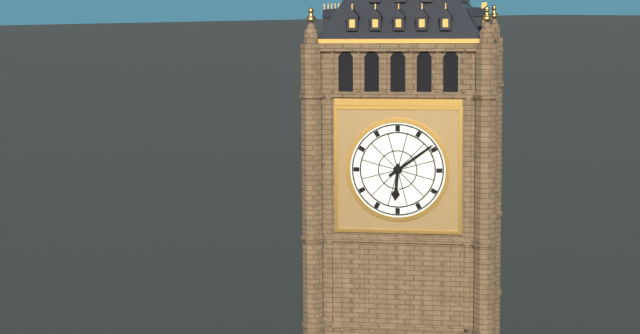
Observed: 6:09
